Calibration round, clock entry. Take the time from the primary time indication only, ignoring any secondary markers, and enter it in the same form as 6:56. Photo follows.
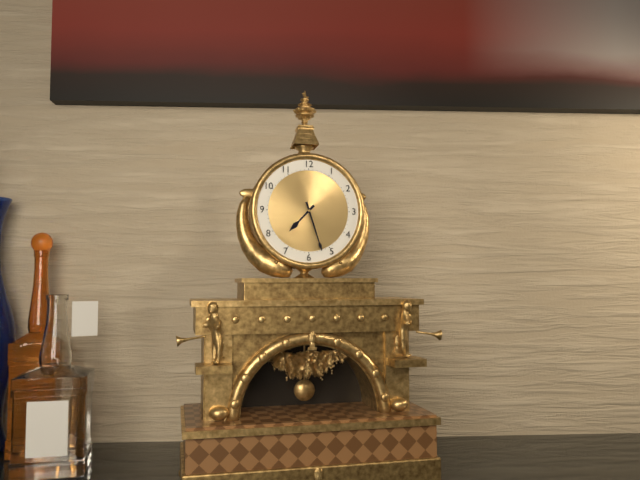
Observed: 7:27
